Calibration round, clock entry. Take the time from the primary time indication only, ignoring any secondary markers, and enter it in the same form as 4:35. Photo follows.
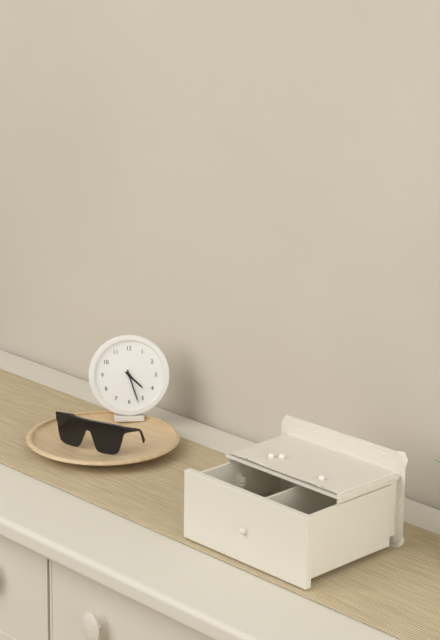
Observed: 4:27
